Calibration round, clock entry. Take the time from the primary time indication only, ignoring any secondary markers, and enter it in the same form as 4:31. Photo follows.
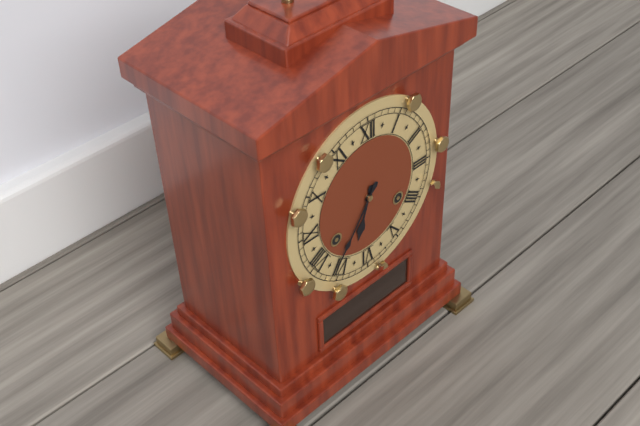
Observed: 6:36
